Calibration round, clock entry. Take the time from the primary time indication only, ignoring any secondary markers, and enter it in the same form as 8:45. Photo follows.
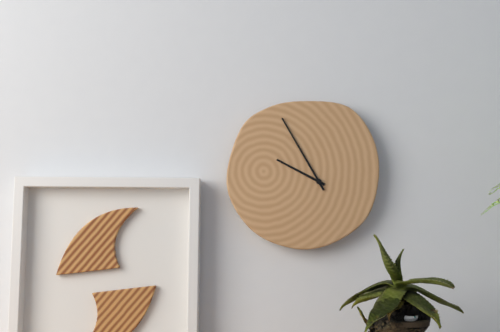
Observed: 9:55
